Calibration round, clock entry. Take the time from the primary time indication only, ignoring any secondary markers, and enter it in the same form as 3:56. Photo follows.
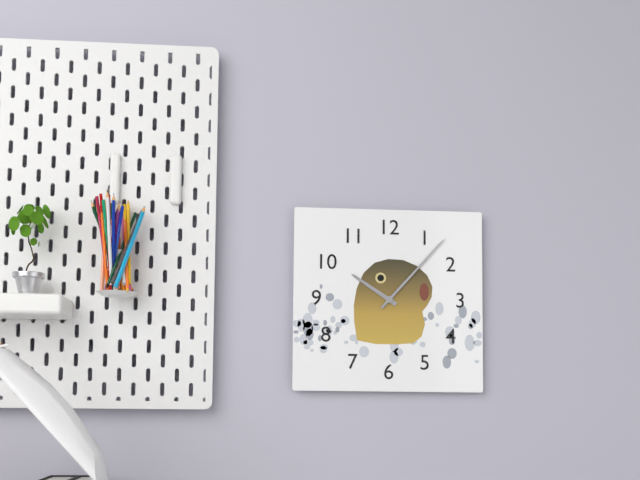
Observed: 10:07
